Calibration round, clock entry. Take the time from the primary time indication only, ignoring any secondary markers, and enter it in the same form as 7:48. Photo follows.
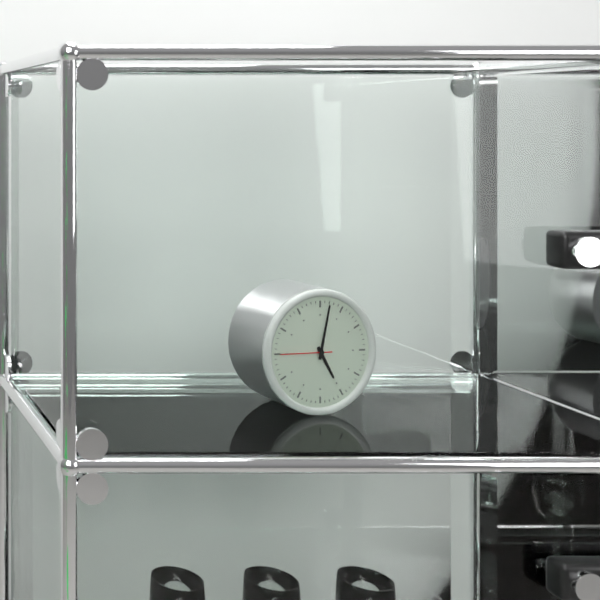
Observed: 5:02
